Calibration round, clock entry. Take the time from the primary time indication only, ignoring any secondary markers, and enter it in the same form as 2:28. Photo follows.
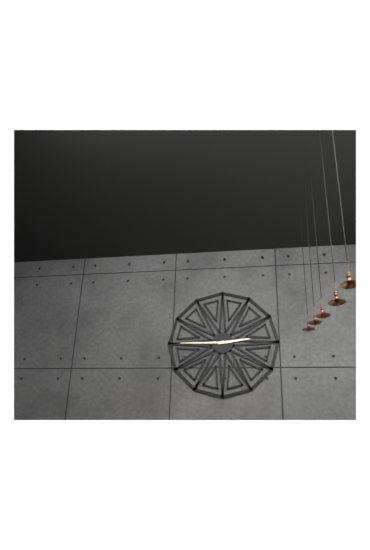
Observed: 2:45
